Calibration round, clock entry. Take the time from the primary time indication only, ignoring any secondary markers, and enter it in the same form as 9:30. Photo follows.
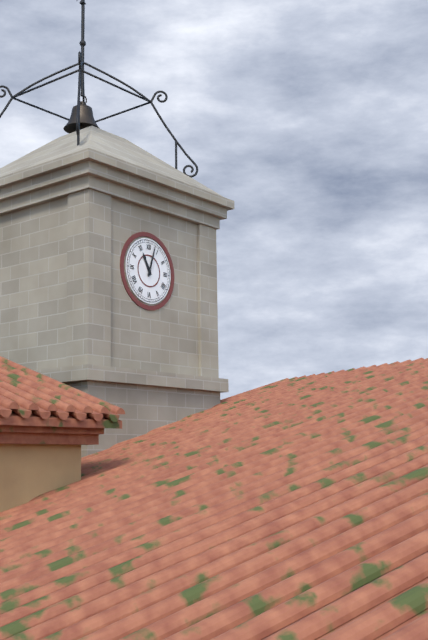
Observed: 11:03
